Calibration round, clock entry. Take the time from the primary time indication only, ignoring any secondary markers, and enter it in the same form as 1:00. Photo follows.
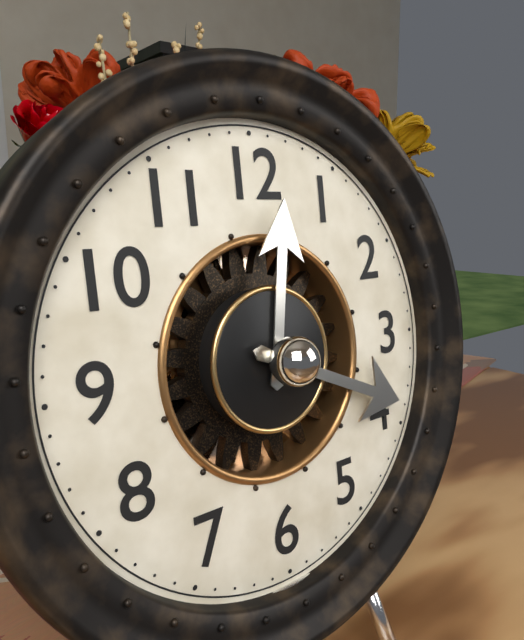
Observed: 12:19
